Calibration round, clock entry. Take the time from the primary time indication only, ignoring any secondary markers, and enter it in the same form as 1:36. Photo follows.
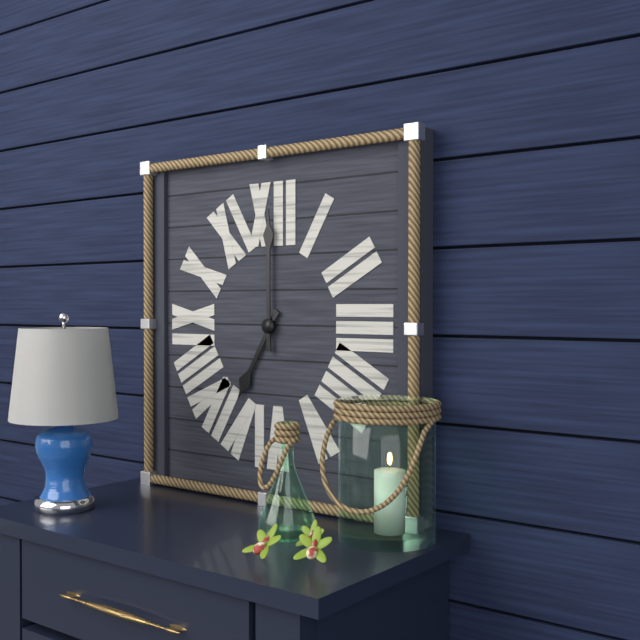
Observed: 7:00
